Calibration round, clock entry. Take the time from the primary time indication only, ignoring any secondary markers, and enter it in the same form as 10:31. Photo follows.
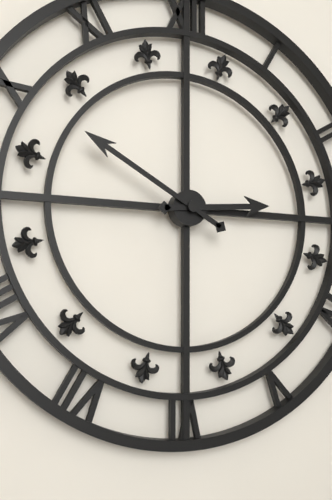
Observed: 2:50
